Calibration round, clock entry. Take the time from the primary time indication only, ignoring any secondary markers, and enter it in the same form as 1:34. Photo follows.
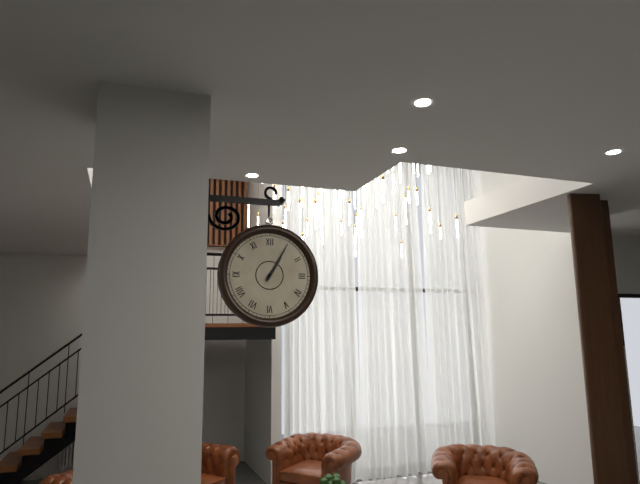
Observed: 1:05
